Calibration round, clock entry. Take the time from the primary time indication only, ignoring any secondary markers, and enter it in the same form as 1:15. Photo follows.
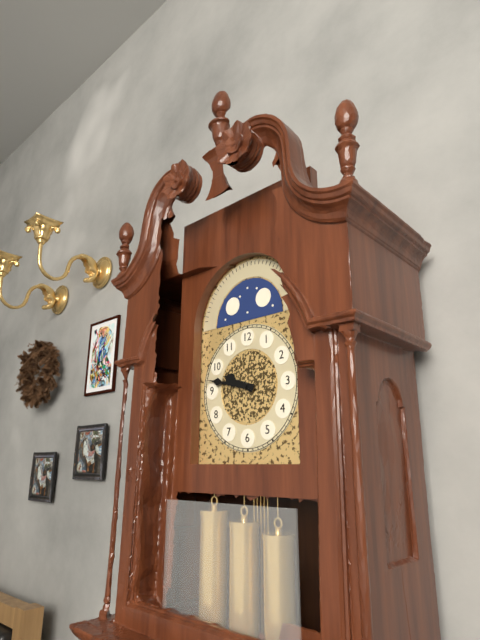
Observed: 9:47
